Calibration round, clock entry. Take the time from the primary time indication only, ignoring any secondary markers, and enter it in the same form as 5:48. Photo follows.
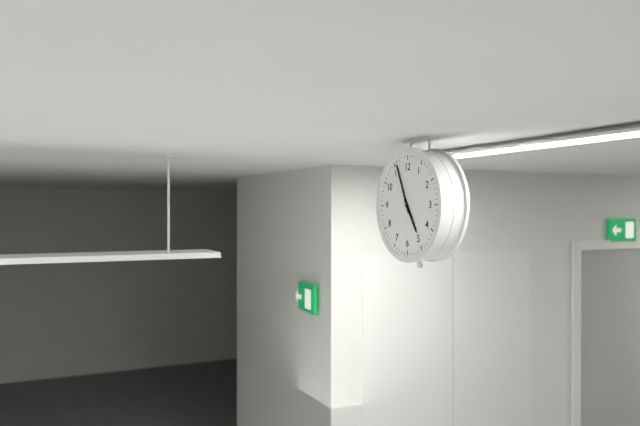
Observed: 4:56
